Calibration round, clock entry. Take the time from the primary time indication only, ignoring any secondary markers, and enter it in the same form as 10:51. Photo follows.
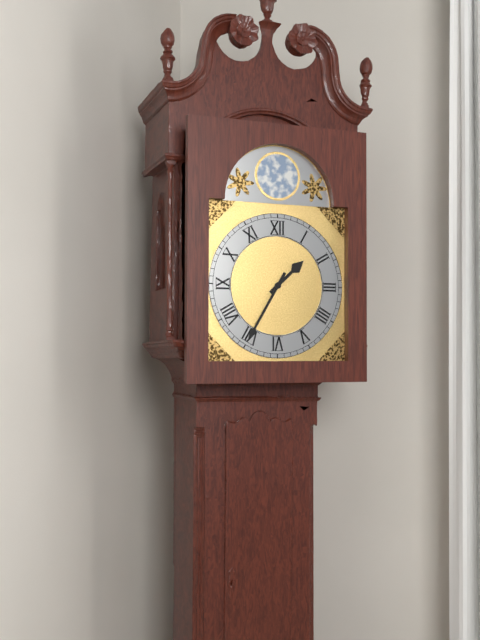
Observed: 1:35
